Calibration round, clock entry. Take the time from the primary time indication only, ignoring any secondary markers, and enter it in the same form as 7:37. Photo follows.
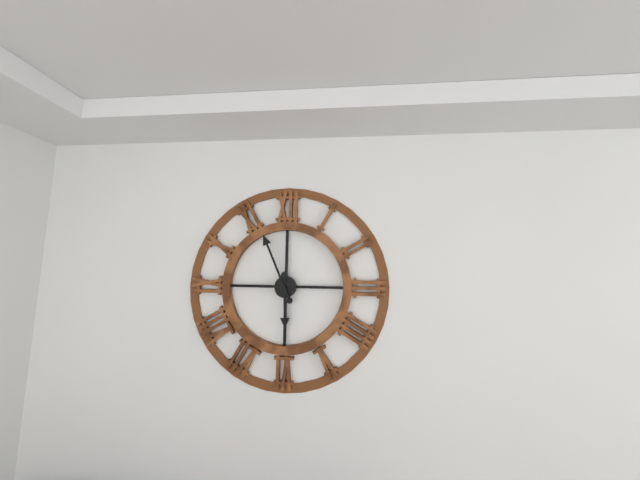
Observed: 5:56
